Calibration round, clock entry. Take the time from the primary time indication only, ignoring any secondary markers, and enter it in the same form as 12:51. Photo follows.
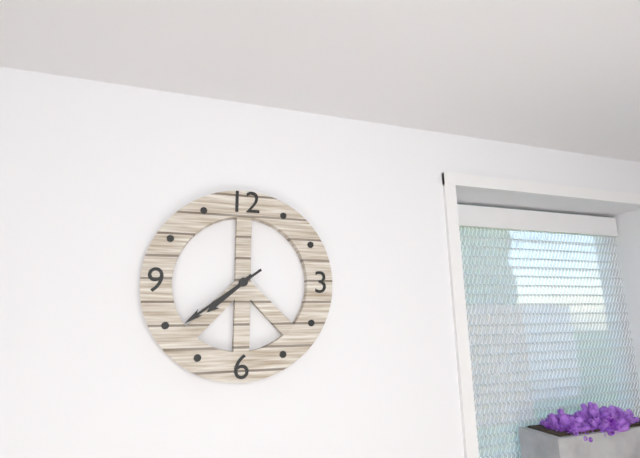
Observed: 7:39
